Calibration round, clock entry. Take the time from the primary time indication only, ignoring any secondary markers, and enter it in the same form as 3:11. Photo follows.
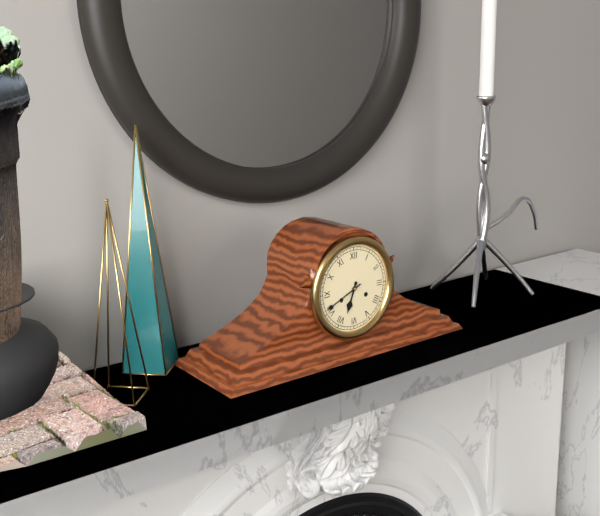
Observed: 6:41
